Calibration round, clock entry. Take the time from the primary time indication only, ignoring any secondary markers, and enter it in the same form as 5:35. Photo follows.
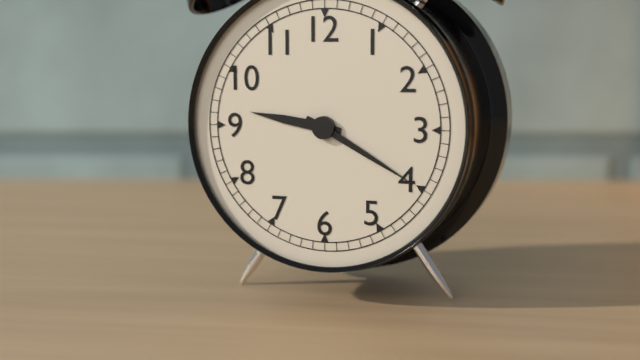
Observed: 9:20
